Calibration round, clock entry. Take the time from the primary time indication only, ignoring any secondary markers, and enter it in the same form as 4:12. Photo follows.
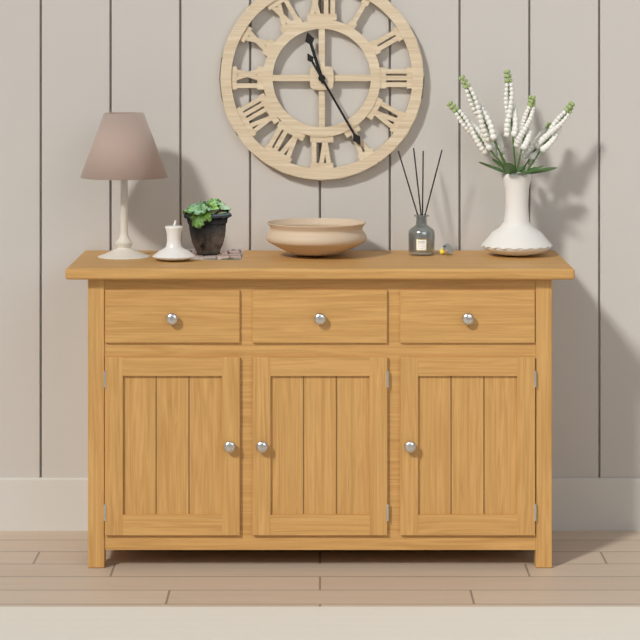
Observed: 11:25
